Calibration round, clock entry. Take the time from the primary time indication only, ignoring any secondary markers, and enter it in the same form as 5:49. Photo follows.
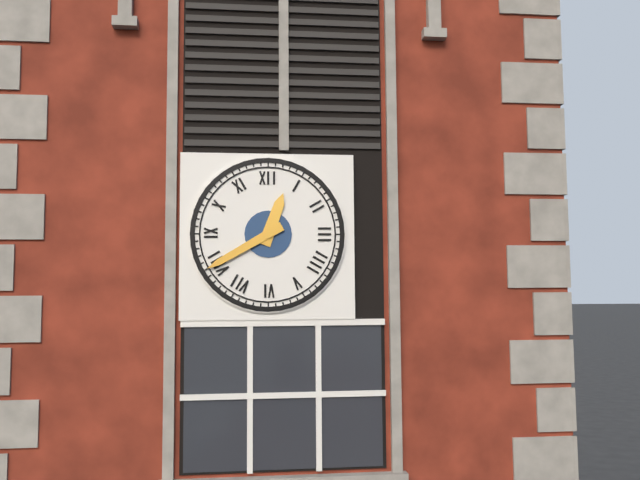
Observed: 12:40
